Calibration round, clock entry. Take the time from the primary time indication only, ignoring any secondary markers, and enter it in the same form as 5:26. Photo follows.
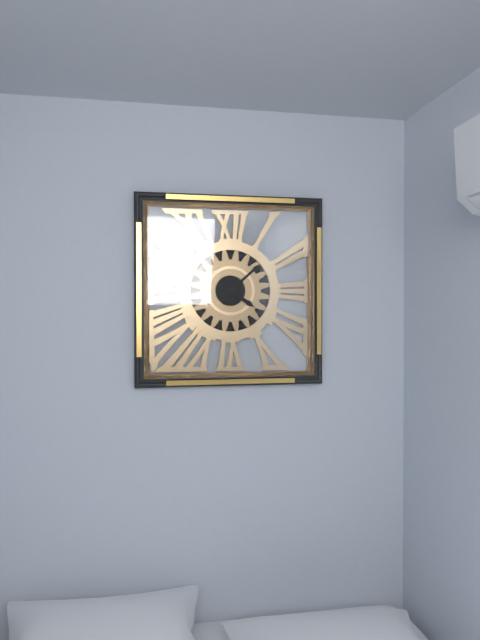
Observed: 4:08
